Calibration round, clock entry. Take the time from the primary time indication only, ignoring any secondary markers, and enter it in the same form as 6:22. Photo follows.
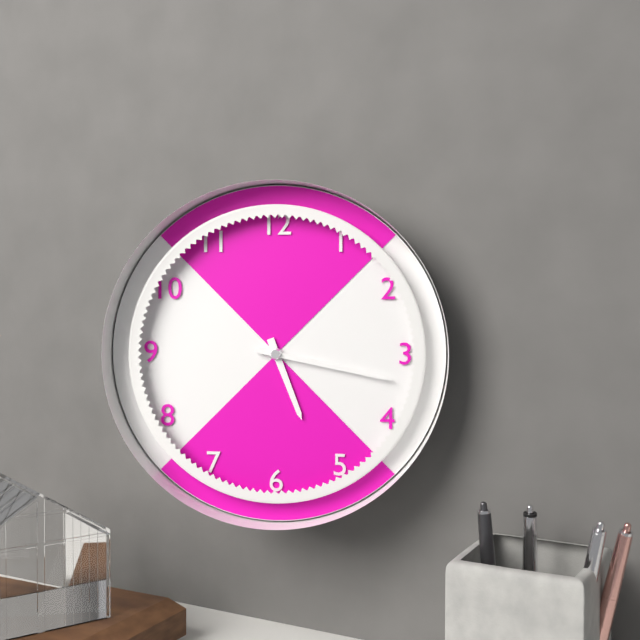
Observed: 5:17
